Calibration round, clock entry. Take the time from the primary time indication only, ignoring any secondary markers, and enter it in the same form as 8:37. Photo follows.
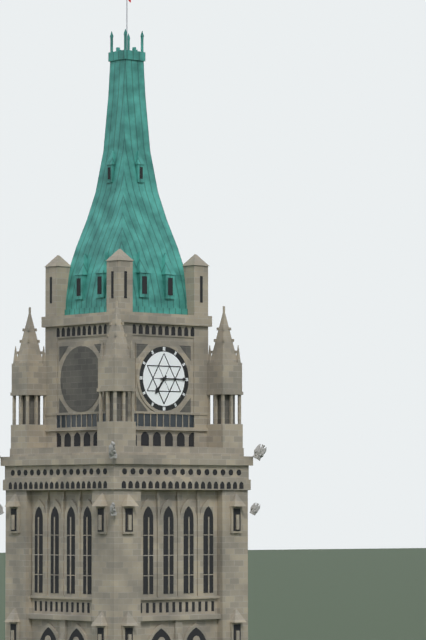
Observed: 7:15
